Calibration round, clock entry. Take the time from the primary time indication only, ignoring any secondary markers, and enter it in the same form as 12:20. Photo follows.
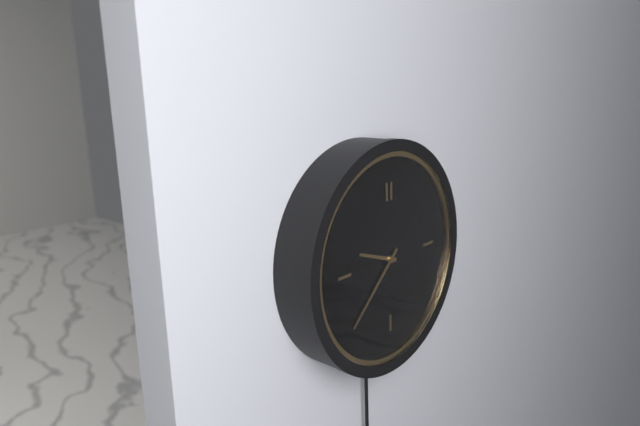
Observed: 9:38
